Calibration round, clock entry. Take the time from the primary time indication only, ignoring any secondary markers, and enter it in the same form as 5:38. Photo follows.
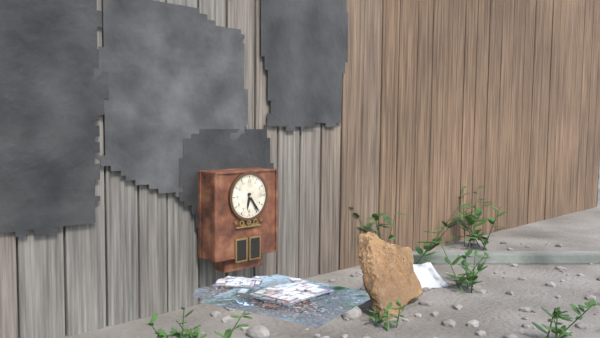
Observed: 6:24
